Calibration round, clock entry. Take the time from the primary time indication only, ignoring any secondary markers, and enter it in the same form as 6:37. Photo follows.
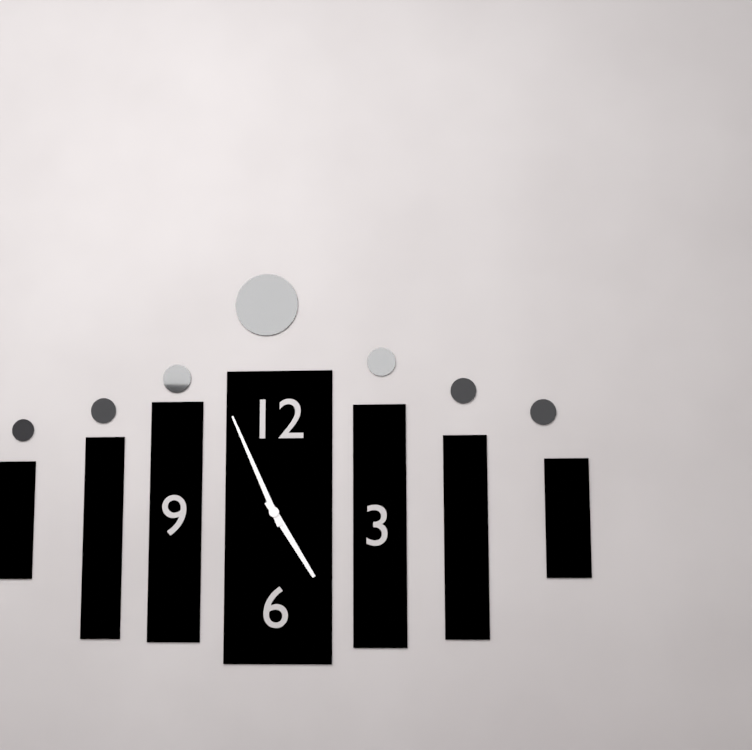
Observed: 4:56
